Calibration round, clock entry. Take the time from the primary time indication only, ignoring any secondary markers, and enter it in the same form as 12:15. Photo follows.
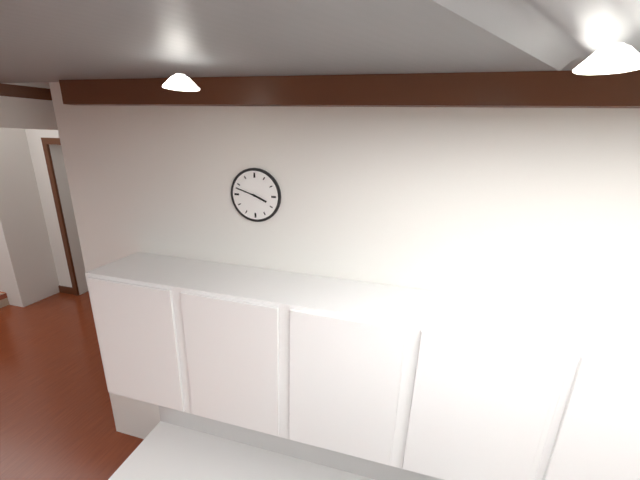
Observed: 3:48
